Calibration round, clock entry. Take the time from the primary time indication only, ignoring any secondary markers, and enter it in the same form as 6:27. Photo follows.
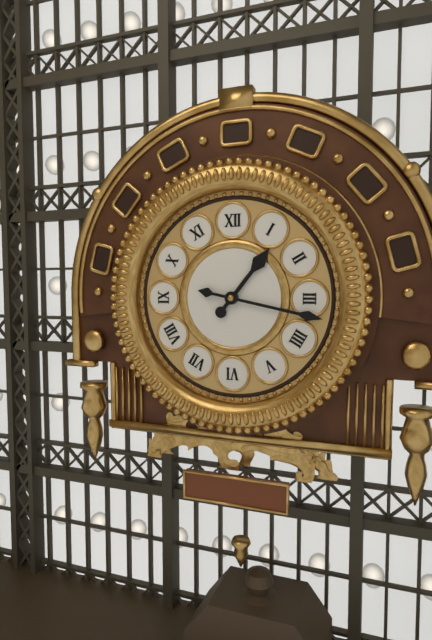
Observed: 1:17
